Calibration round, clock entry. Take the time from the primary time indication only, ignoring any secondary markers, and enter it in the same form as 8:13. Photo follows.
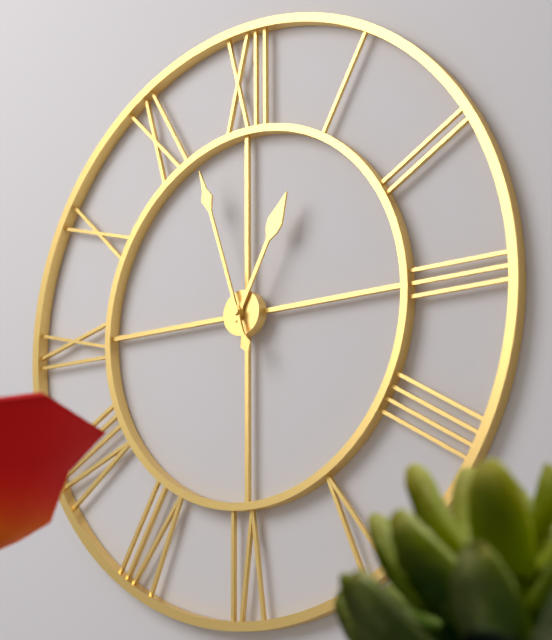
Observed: 12:57
